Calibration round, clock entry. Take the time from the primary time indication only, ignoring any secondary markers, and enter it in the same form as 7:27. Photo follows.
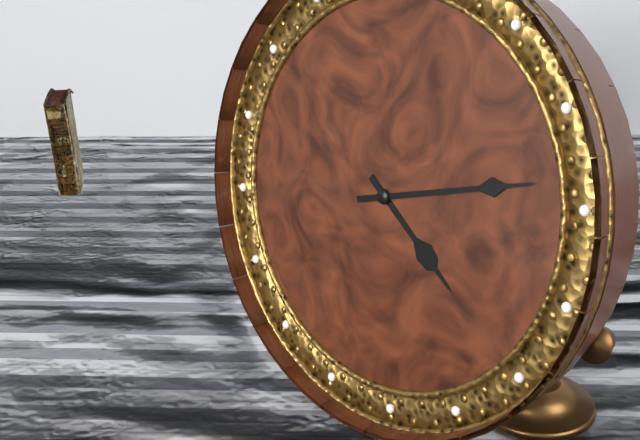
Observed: 4:12
